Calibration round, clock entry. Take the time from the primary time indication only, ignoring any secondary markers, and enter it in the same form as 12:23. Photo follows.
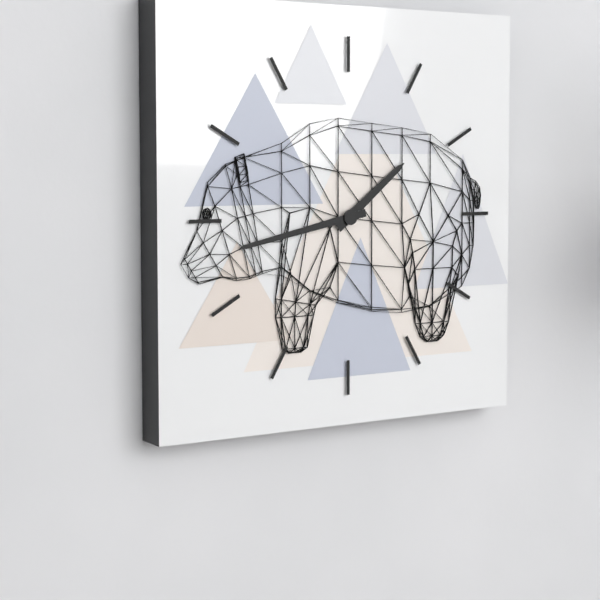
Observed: 1:43
